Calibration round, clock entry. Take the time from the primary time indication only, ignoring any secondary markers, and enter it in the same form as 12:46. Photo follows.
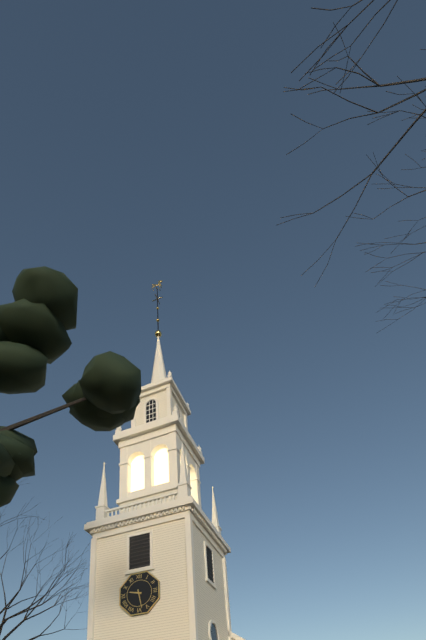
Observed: 9:28
